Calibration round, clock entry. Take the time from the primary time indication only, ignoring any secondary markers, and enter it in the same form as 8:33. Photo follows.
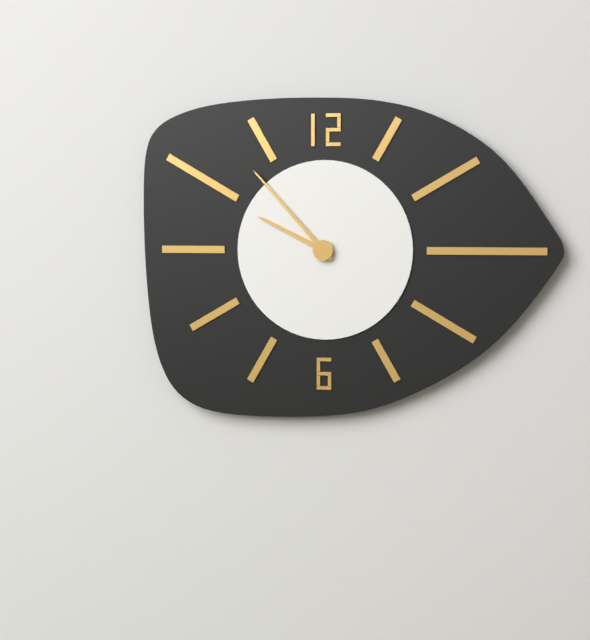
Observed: 9:53
